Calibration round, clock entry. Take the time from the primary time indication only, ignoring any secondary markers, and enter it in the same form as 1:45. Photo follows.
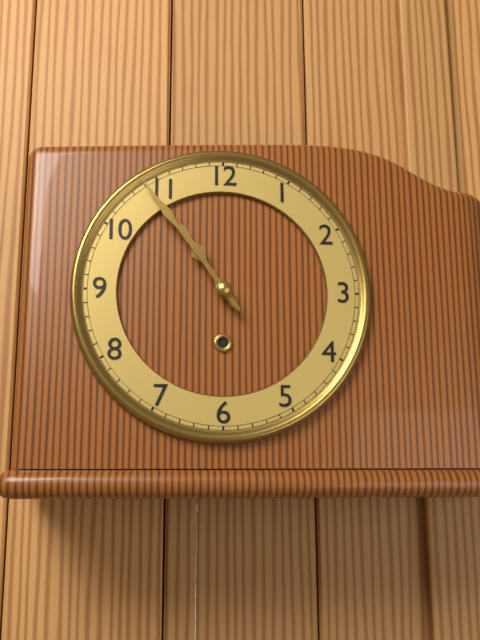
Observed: 10:54
